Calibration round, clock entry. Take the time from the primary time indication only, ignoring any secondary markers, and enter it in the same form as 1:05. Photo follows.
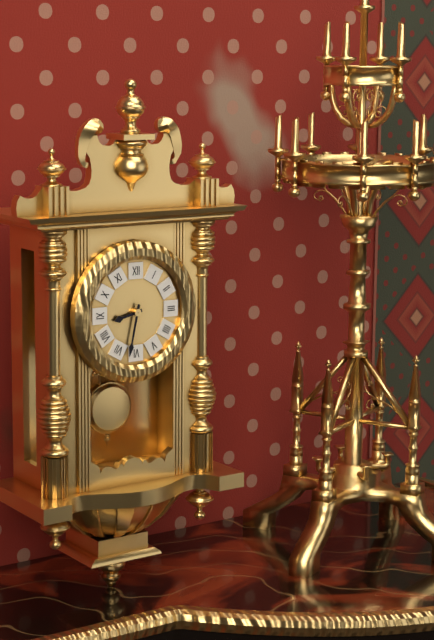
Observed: 8:32
